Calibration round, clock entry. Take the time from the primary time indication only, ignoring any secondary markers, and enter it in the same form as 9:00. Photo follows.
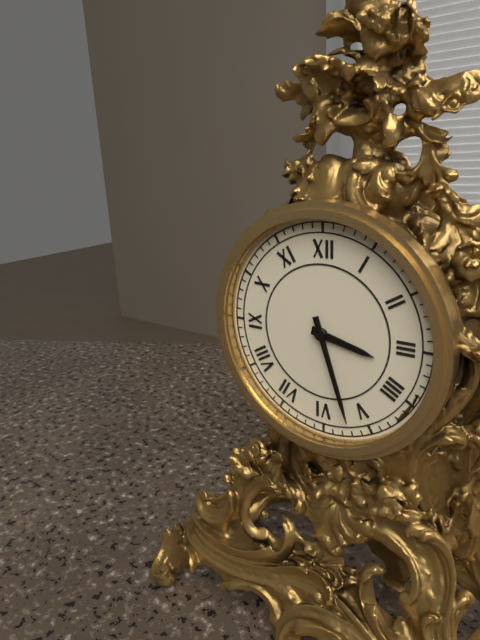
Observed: 3:27
